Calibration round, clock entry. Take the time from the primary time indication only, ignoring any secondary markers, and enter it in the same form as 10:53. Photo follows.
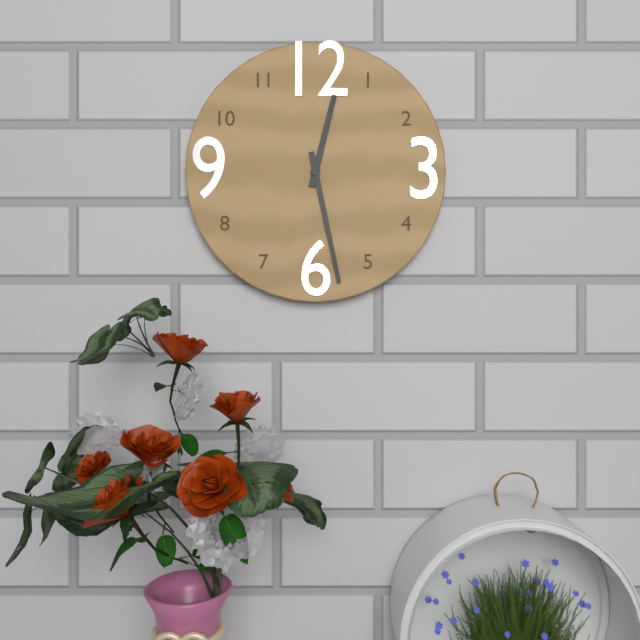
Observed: 12:28
